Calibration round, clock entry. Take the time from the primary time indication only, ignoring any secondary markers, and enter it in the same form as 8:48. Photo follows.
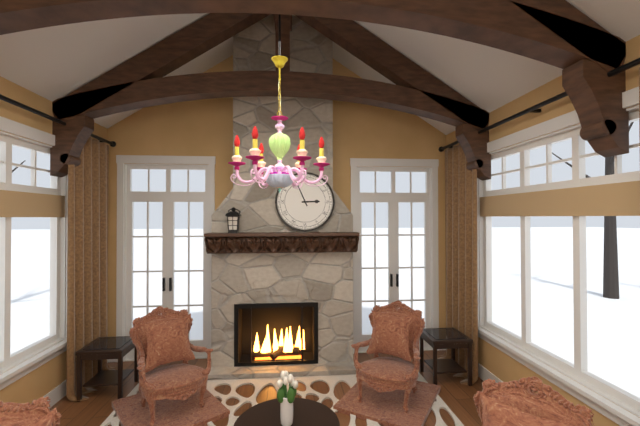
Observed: 2:56
